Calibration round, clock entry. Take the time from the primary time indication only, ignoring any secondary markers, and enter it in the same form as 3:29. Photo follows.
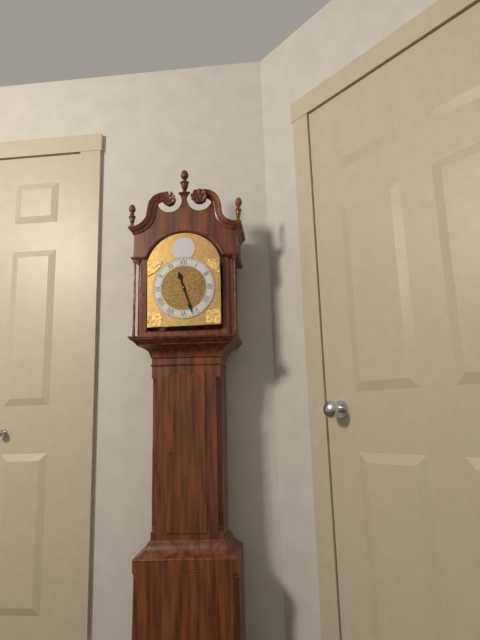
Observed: 11:27
